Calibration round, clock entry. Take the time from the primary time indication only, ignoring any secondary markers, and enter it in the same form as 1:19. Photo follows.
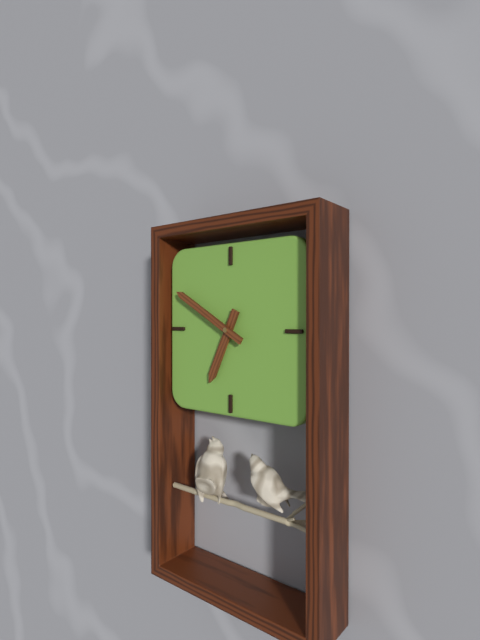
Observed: 6:50
